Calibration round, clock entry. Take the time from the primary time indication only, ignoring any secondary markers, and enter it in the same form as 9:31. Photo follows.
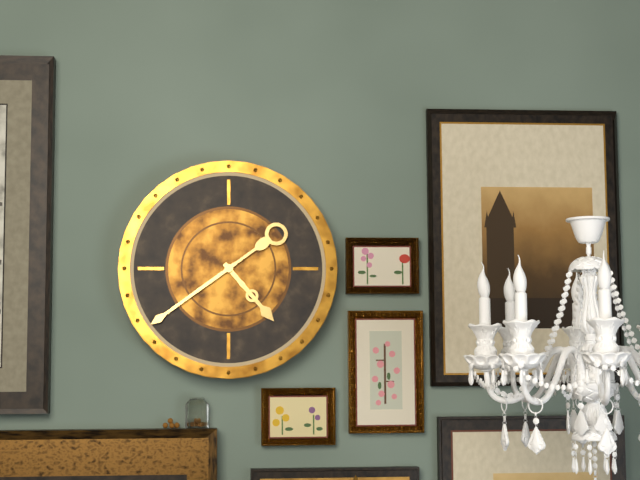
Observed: 4:39
